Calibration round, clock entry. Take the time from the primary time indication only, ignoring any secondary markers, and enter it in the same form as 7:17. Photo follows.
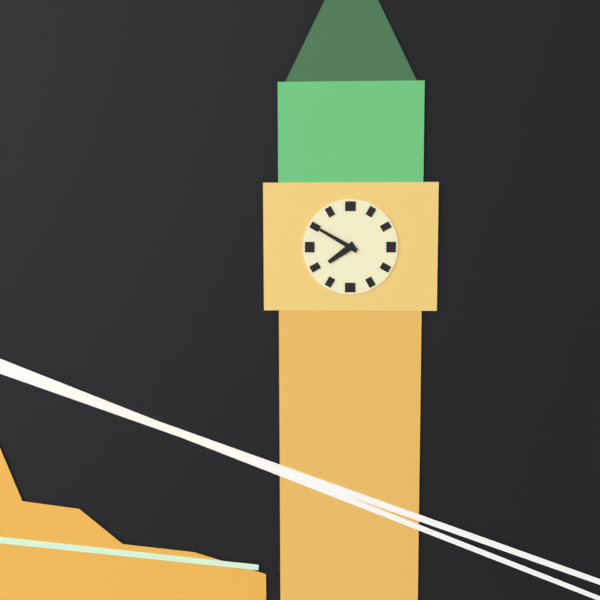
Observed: 7:50
